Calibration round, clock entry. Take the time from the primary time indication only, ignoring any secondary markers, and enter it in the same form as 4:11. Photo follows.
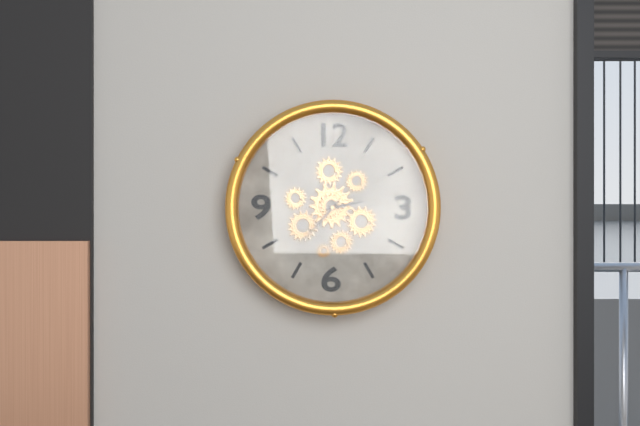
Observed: 2:37
